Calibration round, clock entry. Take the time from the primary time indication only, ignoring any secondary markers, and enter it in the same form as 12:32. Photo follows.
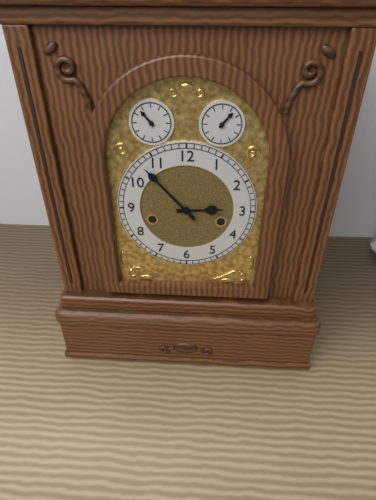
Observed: 2:53
